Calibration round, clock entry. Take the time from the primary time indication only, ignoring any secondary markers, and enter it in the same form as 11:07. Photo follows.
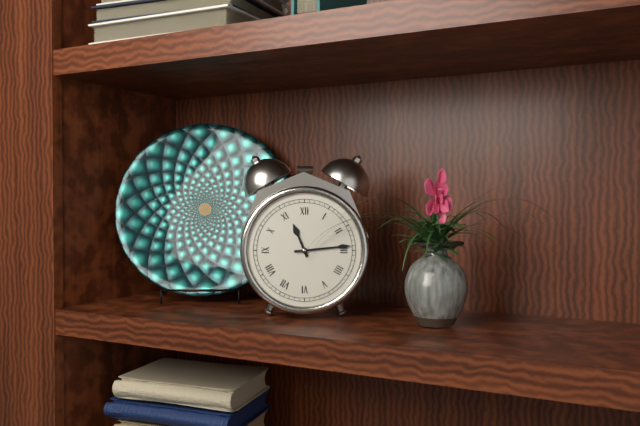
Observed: 11:14
